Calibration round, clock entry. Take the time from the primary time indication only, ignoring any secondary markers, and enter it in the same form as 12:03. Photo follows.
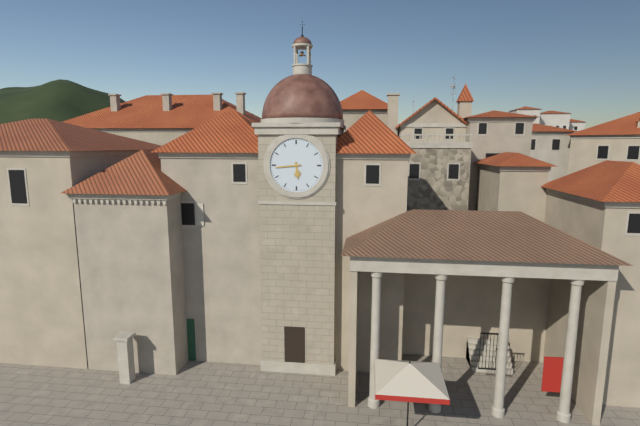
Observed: 5:44
